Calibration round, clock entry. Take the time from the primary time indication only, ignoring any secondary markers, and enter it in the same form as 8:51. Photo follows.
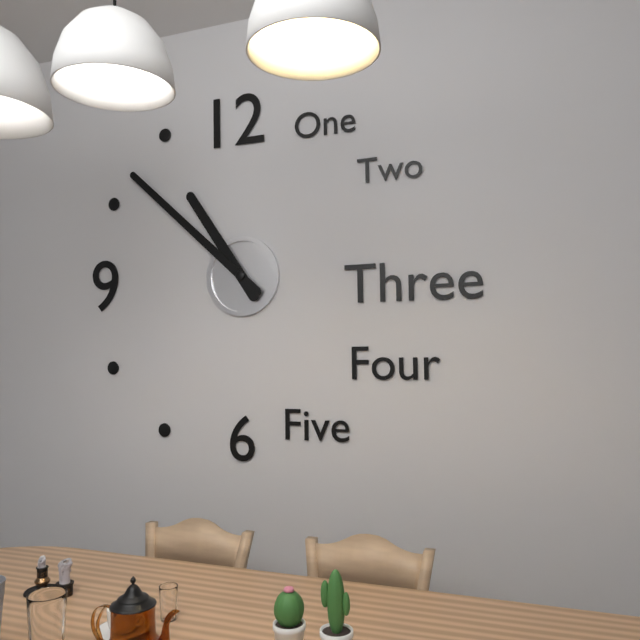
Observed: 10:52
